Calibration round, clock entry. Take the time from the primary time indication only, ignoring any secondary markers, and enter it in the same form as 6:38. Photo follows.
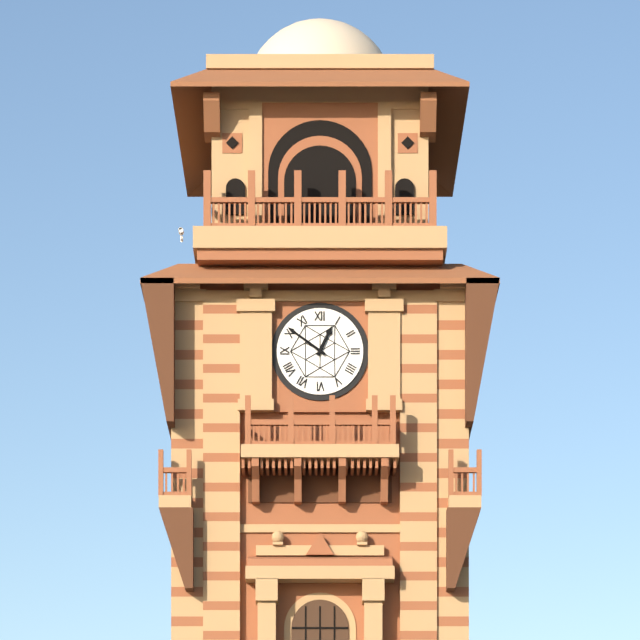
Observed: 12:51
